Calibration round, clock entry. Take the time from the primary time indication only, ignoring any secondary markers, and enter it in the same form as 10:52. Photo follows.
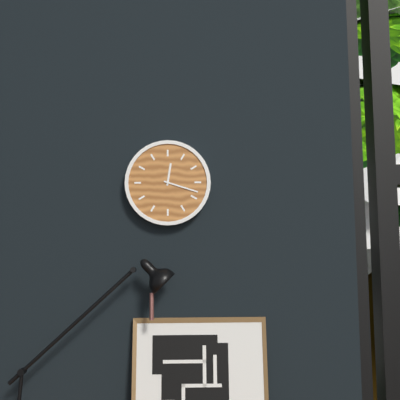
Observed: 12:18
